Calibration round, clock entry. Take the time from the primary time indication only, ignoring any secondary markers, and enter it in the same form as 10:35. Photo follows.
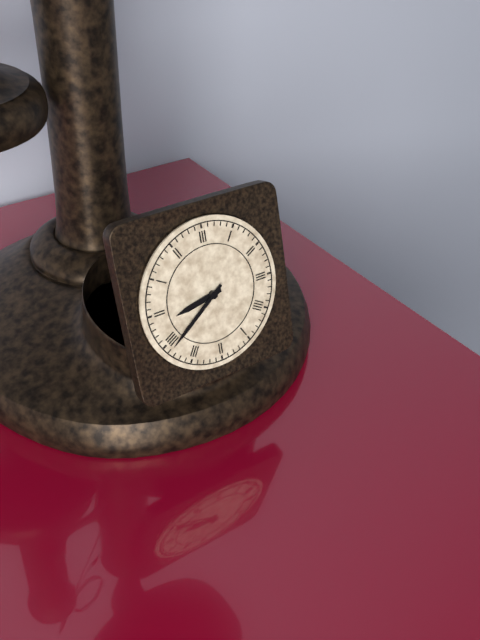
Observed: 8:39
